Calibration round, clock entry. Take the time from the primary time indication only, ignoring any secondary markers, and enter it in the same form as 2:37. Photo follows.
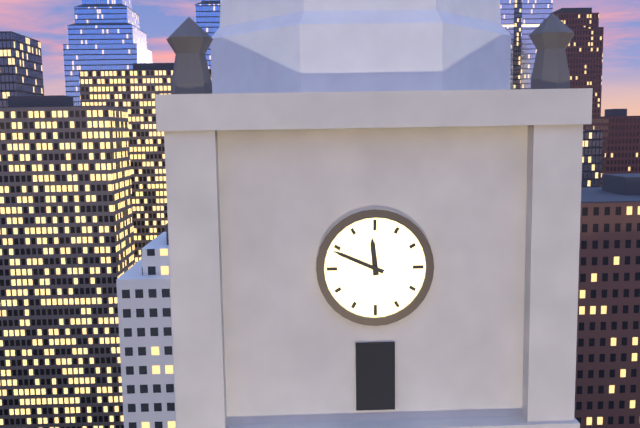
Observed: 11:49
